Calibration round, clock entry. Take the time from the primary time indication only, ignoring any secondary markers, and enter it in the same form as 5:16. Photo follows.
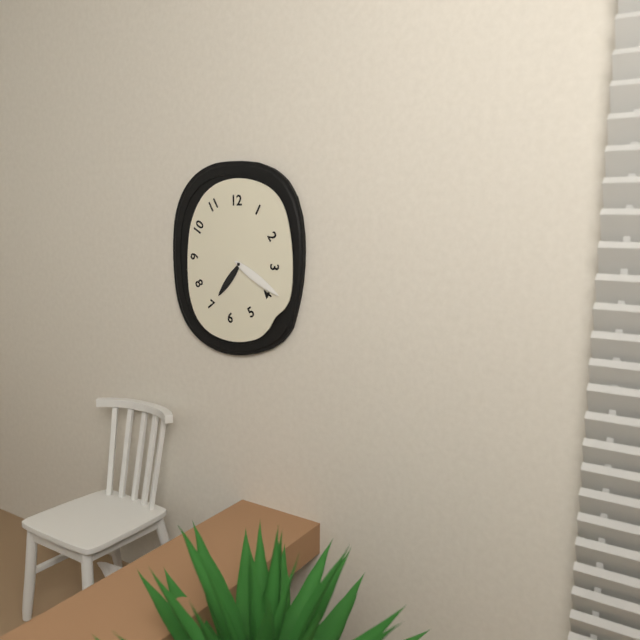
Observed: 7:20
